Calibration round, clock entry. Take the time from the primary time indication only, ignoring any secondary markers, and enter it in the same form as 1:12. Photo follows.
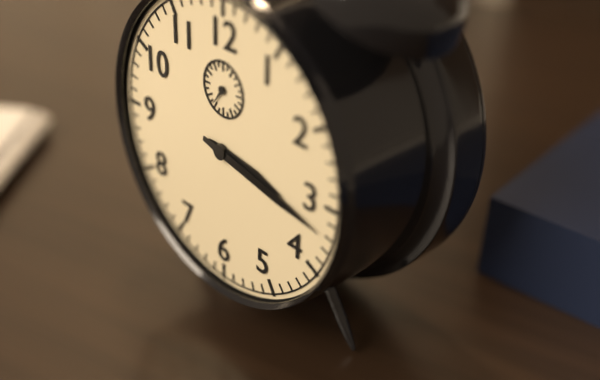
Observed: 3:17
